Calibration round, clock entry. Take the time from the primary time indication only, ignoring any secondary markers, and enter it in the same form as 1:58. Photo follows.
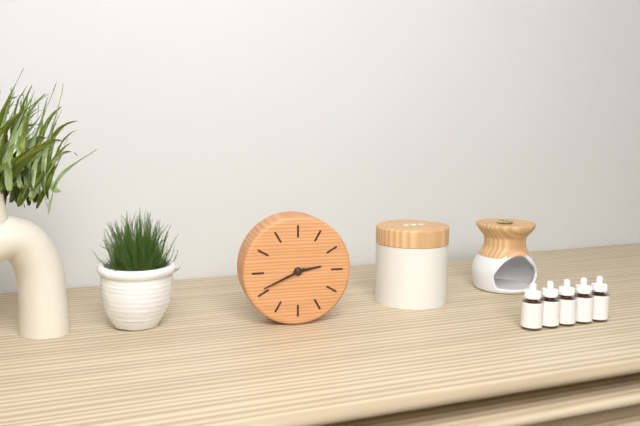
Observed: 2:41
